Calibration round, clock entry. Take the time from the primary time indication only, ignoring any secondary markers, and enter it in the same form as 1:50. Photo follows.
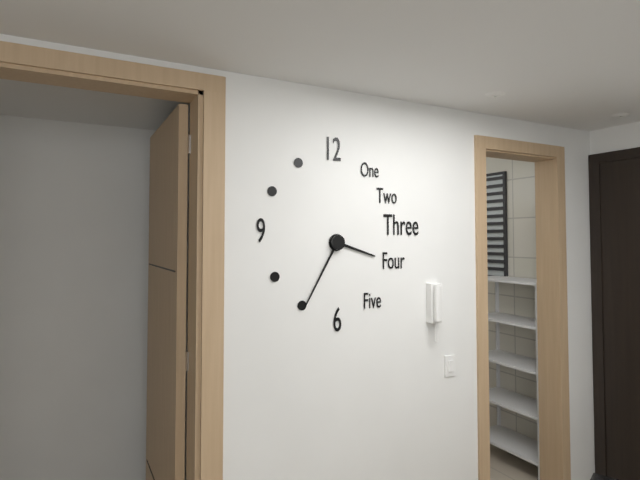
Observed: 3:35
